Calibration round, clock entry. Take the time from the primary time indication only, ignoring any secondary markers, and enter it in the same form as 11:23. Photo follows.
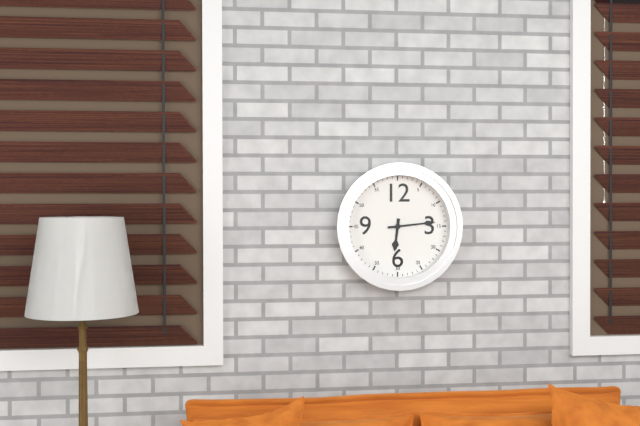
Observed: 6:14
